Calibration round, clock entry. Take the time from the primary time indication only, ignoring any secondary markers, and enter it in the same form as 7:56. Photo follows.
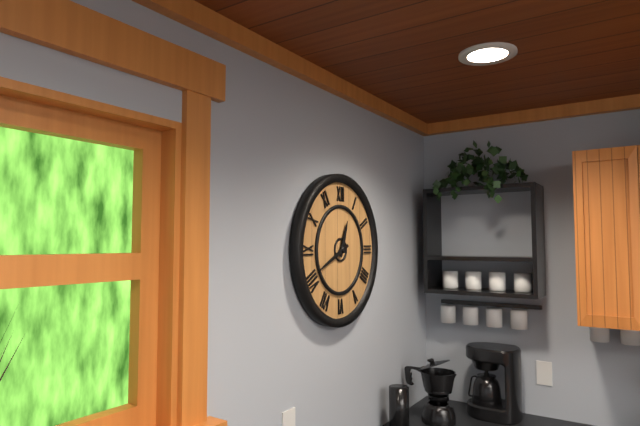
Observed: 12:41
